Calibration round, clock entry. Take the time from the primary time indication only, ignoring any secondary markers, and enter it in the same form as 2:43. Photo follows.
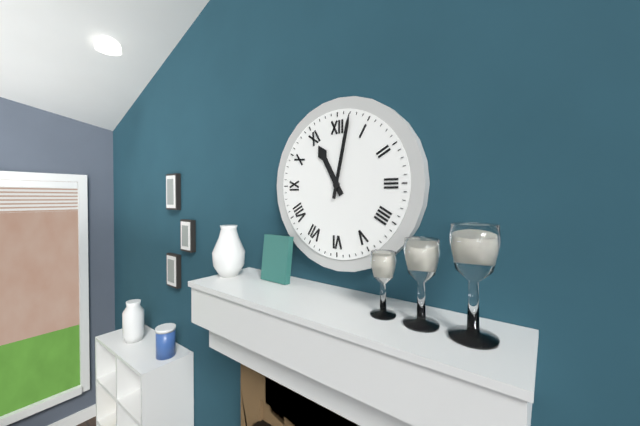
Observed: 11:02
